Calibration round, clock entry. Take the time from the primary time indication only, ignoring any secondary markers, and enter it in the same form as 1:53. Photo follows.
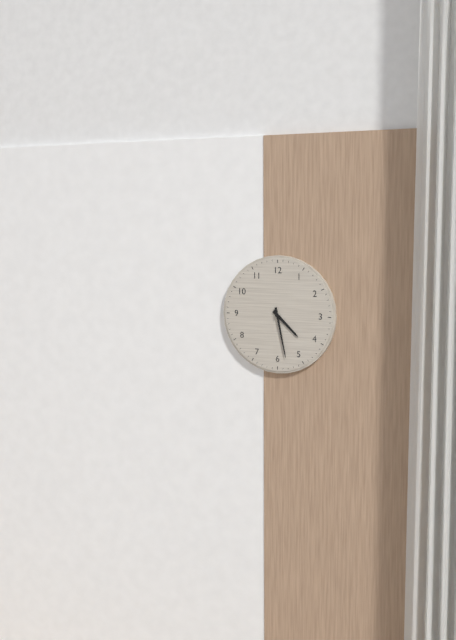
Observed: 4:28
